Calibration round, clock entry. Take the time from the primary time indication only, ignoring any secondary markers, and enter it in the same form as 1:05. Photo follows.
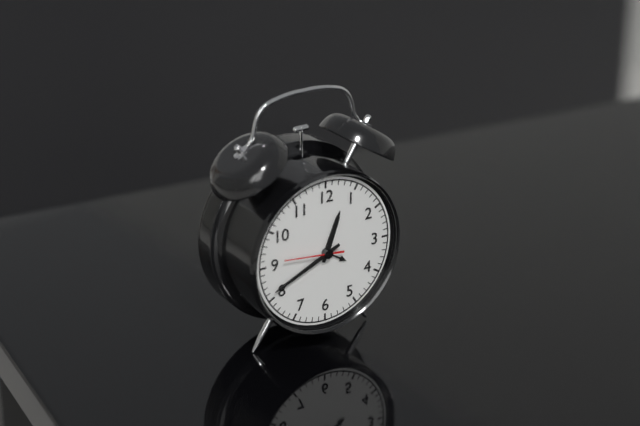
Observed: 12:41
